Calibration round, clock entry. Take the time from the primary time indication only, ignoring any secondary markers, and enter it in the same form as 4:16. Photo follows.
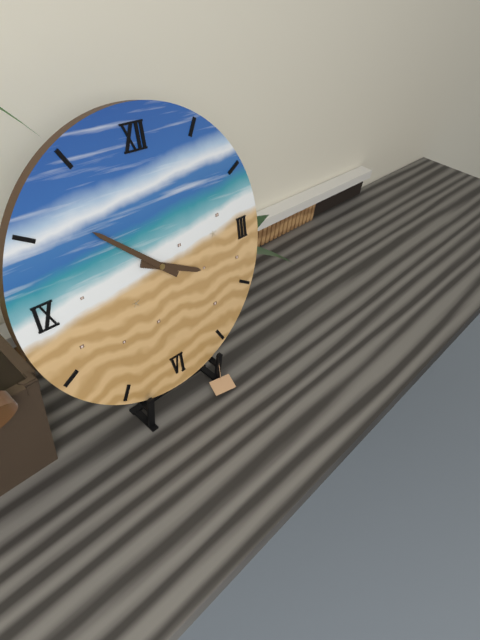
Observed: 3:52
